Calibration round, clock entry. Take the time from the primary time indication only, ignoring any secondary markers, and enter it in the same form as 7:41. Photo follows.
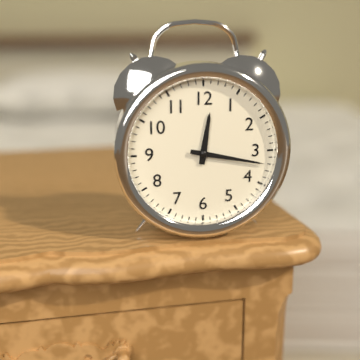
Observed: 12:17
